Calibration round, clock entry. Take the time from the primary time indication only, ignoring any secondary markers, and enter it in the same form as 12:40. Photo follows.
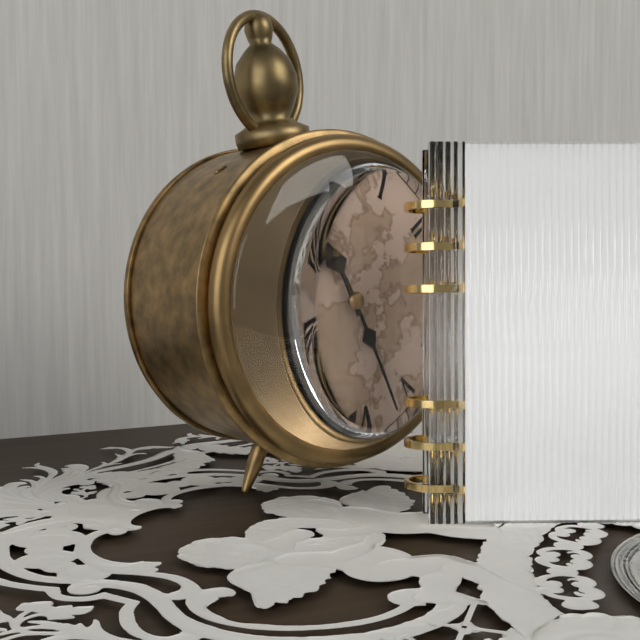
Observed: 11:27
